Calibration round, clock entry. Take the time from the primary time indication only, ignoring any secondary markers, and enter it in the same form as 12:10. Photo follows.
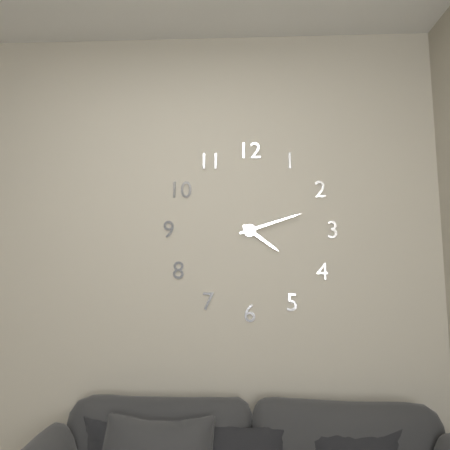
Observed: 4:12
